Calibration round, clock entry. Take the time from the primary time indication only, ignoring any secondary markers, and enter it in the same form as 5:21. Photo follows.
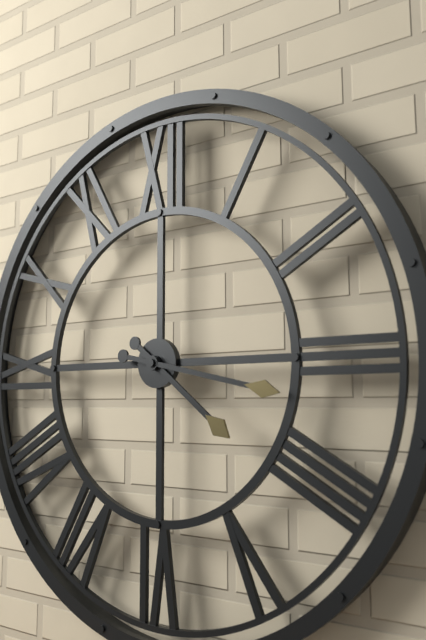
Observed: 4:17
